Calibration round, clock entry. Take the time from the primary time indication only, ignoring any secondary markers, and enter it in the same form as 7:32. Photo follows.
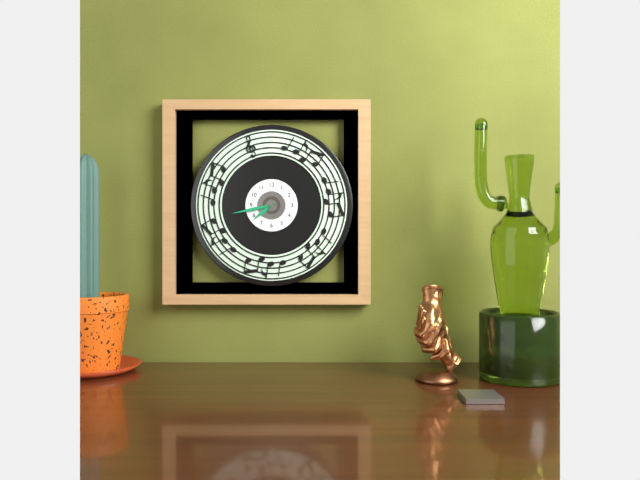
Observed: 7:43
